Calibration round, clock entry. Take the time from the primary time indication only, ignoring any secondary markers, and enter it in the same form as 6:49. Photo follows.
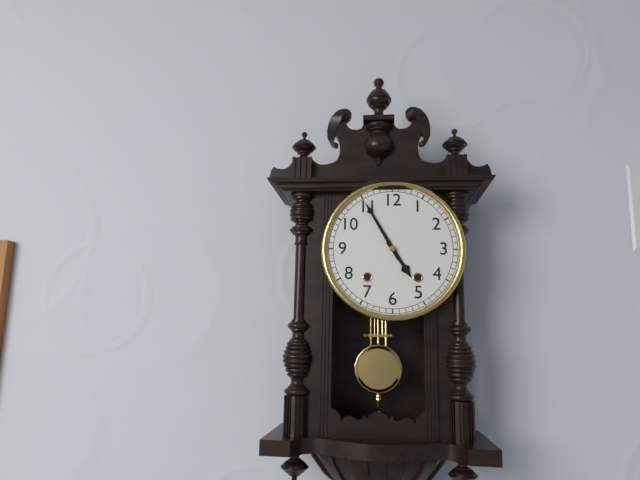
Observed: 4:55
